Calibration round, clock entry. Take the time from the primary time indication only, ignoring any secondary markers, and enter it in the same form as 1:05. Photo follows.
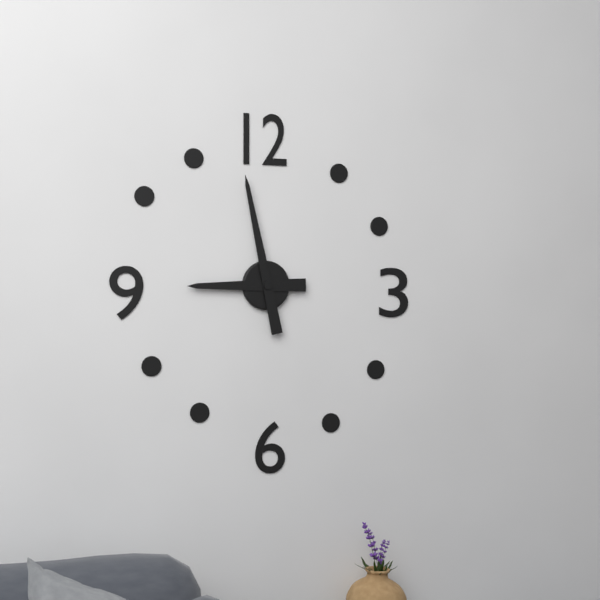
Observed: 8:58
